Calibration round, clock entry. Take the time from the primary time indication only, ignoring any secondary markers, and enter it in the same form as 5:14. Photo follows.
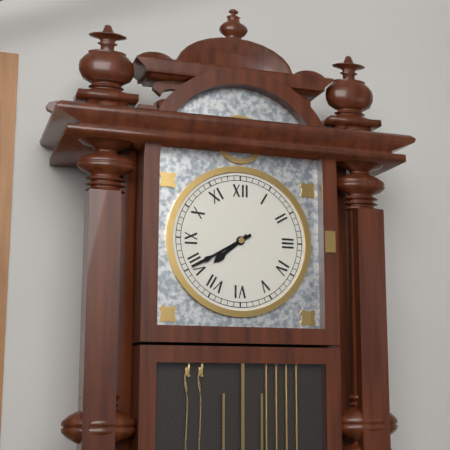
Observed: 7:40
